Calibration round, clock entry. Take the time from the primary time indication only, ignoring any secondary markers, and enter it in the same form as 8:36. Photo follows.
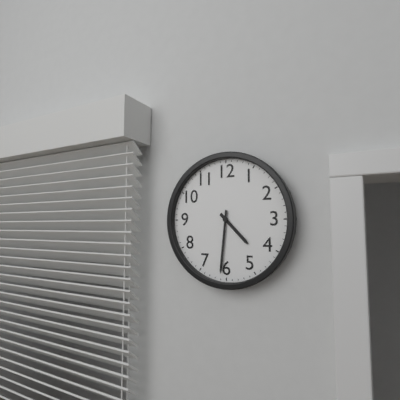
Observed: 4:31
